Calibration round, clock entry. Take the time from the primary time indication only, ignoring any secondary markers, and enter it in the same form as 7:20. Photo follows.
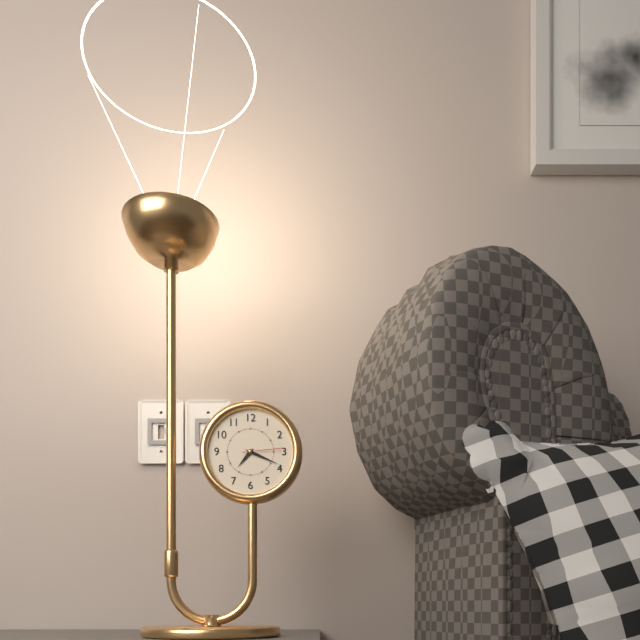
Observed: 7:19
